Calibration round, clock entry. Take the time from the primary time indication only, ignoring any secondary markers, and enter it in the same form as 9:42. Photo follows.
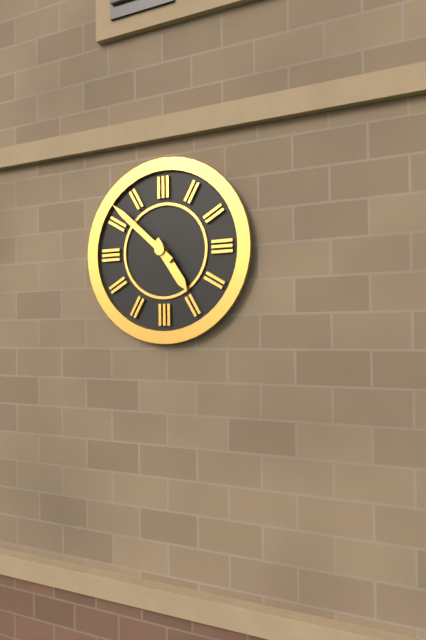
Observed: 4:52
